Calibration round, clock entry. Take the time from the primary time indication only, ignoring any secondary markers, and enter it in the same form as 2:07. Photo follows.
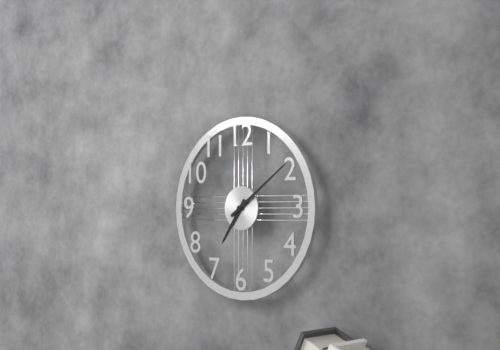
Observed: 7:09
